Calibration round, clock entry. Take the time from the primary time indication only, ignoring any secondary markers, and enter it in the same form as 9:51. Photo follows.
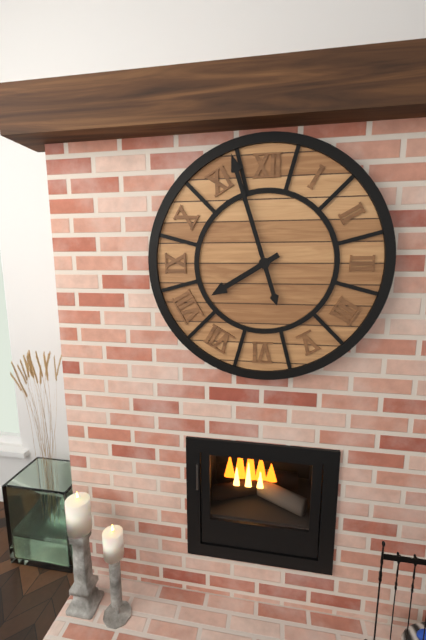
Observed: 7:57
